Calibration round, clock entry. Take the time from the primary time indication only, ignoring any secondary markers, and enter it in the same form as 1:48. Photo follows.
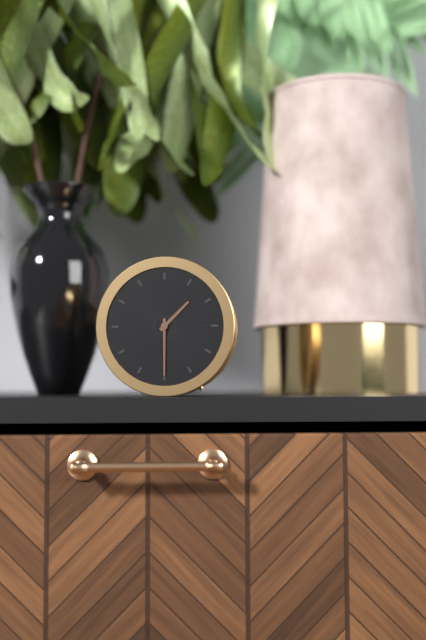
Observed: 1:30
